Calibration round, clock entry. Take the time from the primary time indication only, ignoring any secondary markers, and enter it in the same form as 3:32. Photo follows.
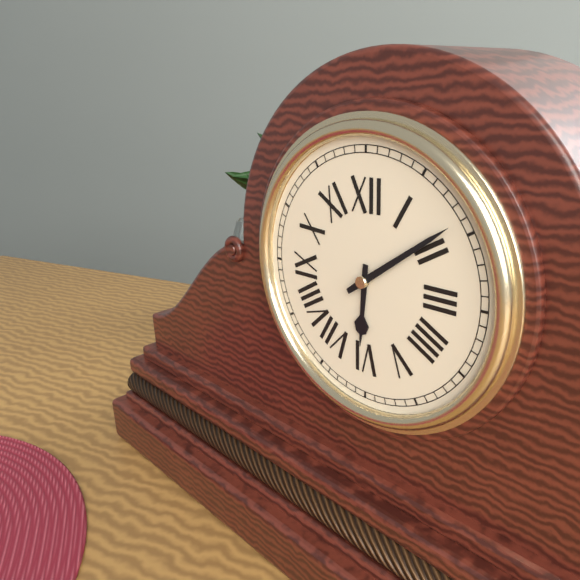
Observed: 6:09
